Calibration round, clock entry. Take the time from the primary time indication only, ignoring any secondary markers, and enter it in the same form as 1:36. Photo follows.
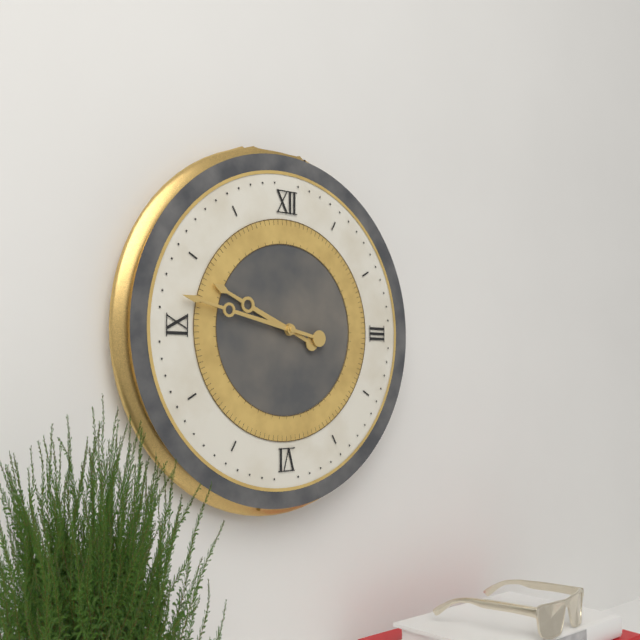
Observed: 9:47
